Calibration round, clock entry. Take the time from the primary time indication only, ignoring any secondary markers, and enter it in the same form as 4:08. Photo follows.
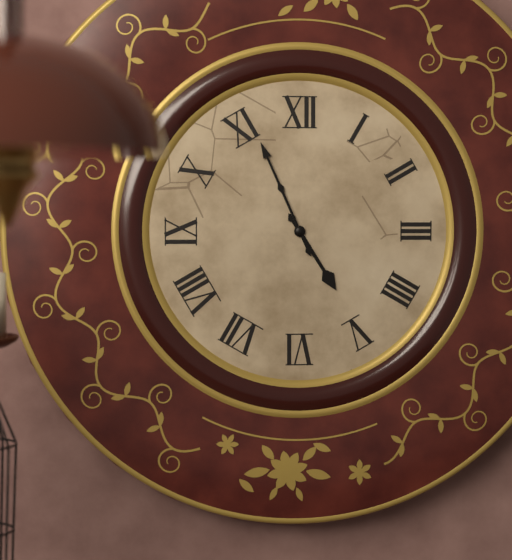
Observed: 4:56
